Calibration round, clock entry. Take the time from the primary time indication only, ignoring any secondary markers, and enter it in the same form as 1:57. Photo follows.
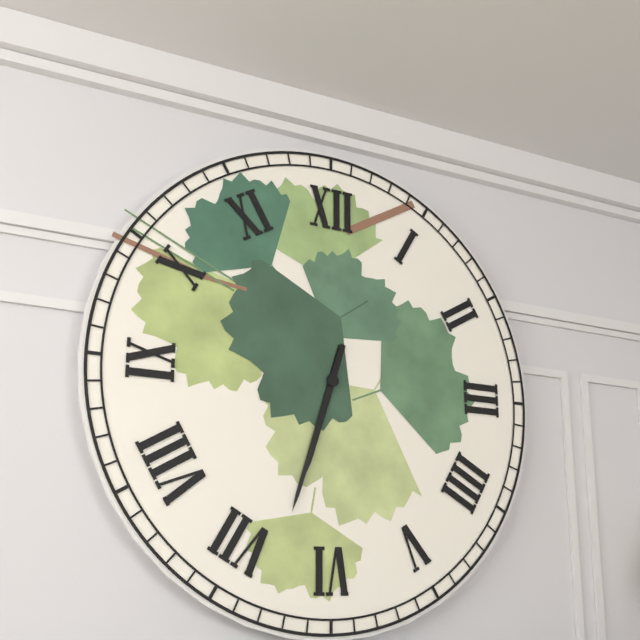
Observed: 6:33
